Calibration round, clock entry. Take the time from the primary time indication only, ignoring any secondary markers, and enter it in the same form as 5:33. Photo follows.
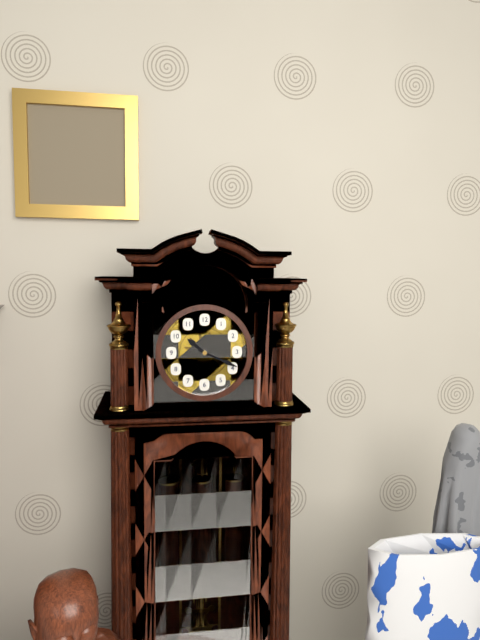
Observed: 10:19
